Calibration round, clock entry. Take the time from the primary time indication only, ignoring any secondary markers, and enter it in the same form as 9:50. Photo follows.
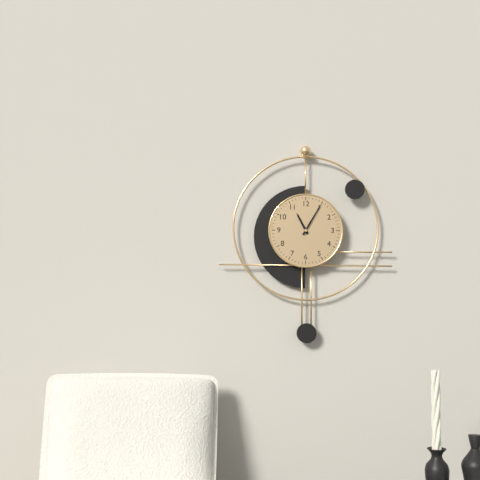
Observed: 11:05
